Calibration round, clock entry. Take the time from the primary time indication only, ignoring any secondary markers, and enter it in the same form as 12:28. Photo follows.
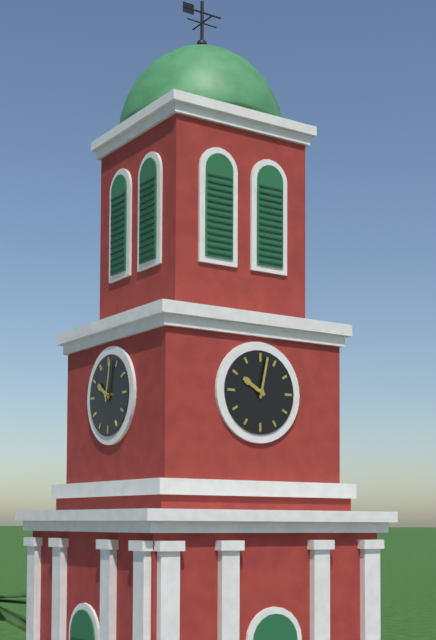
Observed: 10:02
